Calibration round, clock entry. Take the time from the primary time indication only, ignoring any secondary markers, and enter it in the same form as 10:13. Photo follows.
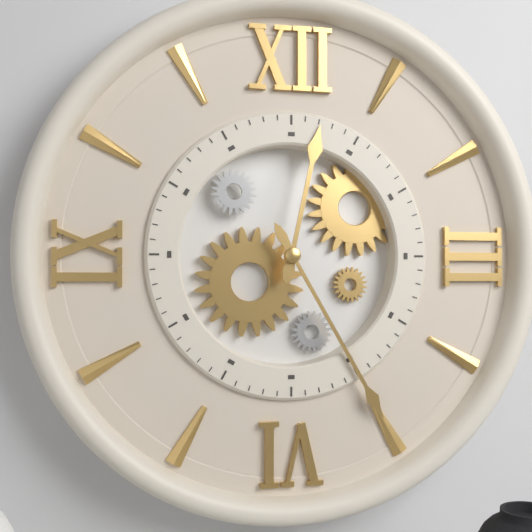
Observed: 12:25
